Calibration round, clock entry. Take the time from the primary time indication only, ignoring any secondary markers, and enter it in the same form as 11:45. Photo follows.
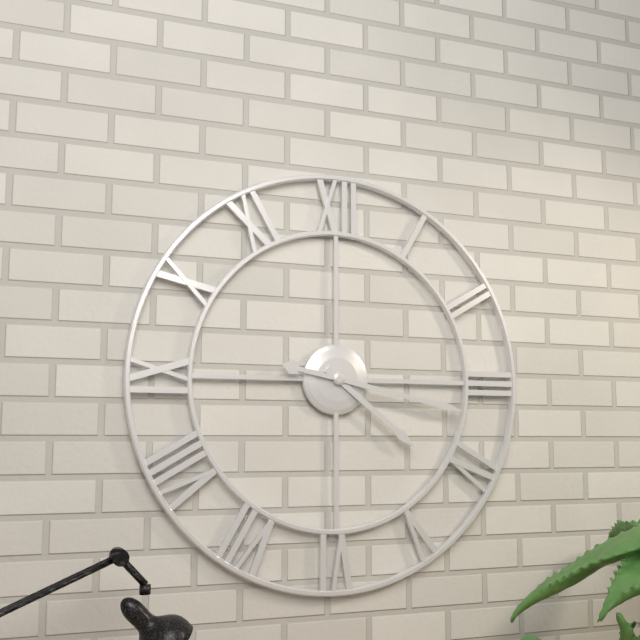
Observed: 4:17
